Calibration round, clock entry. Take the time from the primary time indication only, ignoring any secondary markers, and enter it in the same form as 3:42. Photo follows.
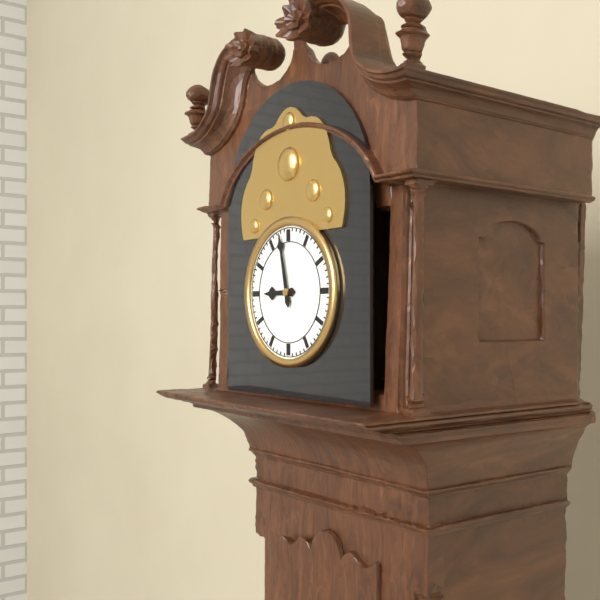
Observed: 8:58
